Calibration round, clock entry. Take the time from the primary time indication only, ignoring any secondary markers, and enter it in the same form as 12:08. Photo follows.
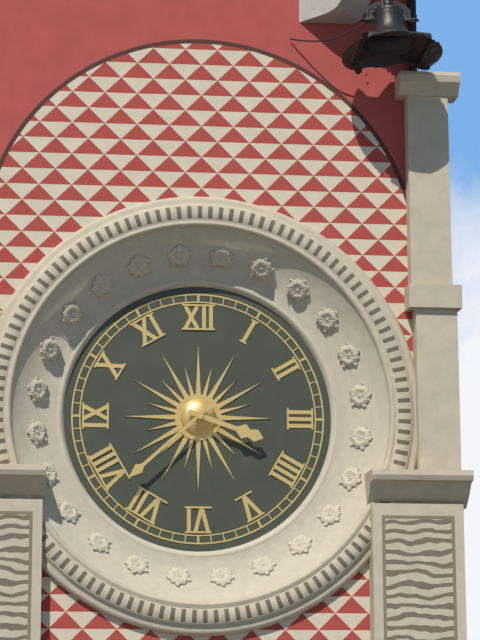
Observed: 3:38
